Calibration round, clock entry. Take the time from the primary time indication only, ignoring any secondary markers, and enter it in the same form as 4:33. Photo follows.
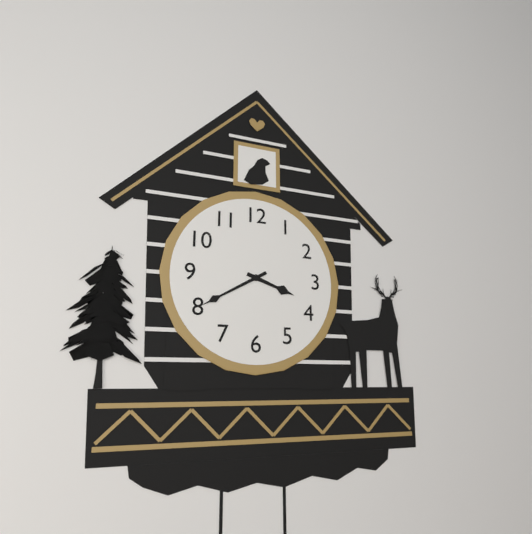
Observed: 3:40
